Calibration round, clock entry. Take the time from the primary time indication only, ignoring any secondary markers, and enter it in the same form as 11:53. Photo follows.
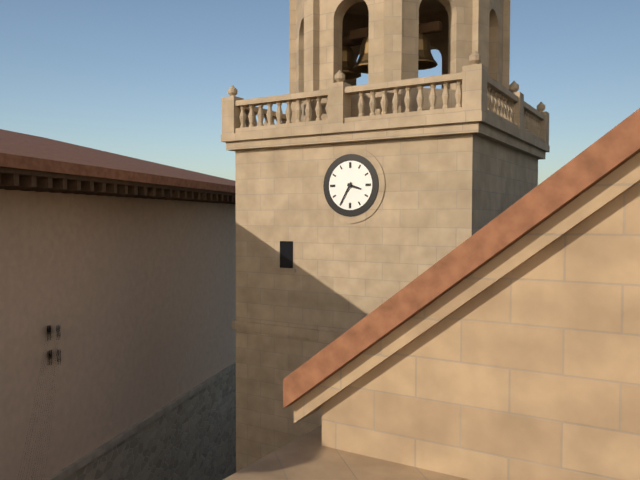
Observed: 3:35
